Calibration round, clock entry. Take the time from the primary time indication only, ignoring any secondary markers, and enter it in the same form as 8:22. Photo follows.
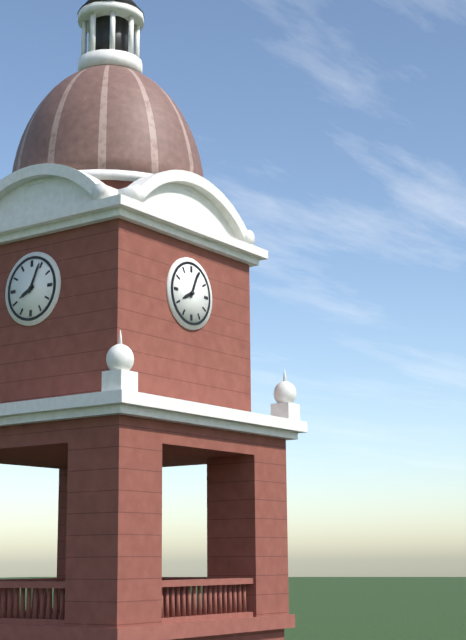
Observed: 8:04
